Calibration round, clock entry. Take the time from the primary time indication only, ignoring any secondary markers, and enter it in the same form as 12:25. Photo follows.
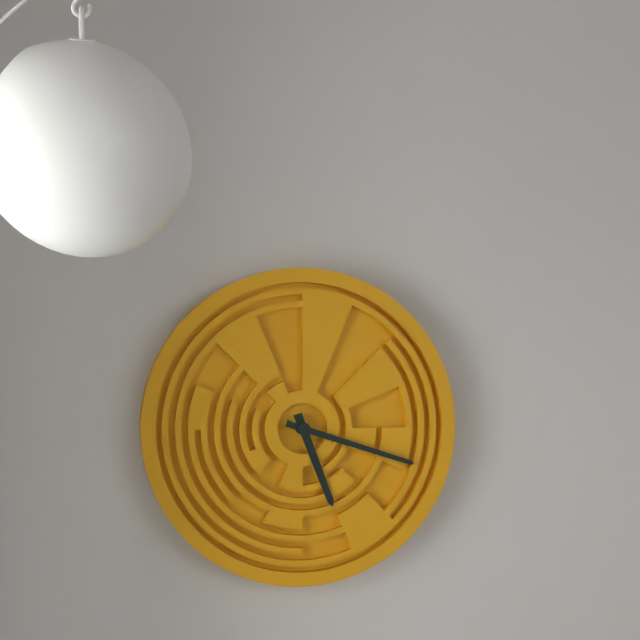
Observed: 5:18
